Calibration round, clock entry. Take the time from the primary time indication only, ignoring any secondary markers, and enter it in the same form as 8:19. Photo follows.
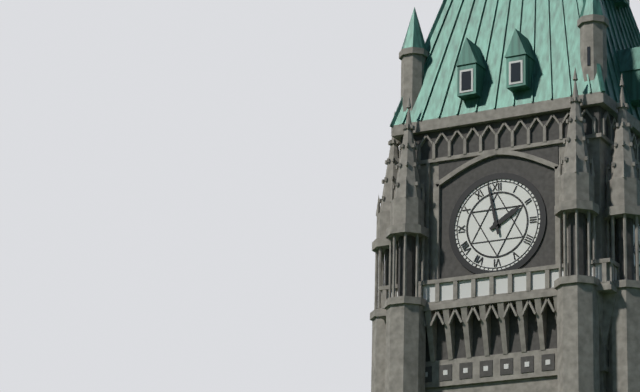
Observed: 1:58
